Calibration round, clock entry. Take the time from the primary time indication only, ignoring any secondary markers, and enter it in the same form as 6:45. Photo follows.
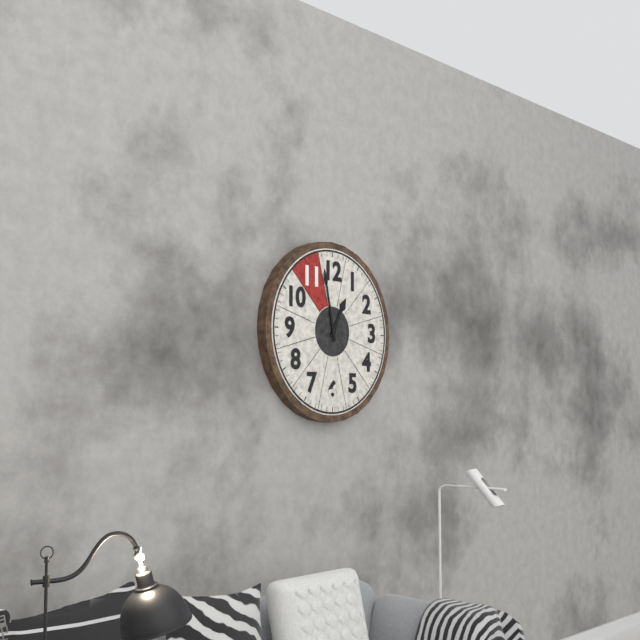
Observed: 12:58
